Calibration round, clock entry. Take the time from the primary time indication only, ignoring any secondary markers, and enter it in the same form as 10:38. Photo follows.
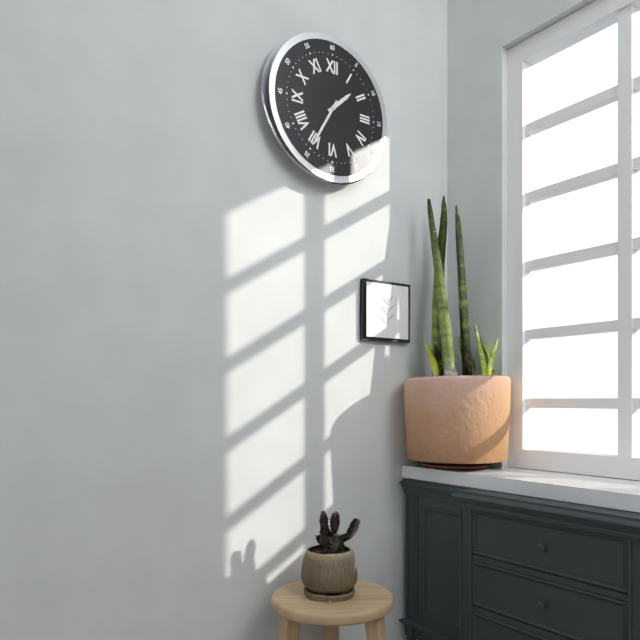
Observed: 1:35
